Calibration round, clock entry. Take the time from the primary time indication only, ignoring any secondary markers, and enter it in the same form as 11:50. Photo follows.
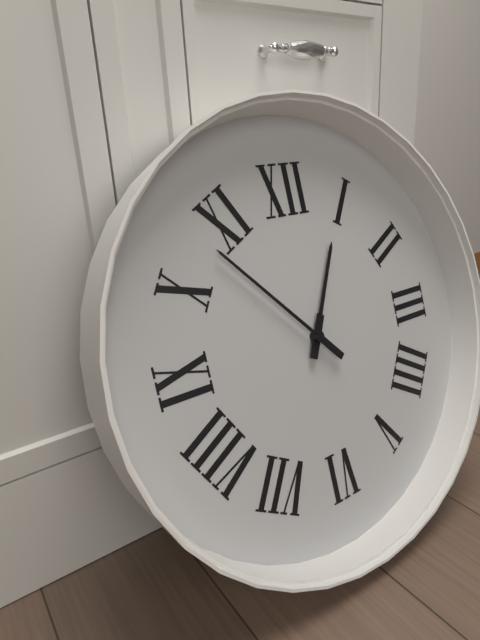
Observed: 12:53
